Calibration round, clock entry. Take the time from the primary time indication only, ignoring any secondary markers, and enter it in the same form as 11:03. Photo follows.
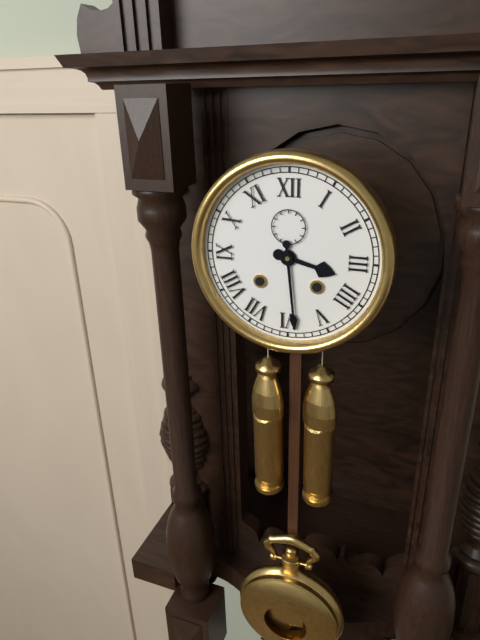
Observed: 3:29
